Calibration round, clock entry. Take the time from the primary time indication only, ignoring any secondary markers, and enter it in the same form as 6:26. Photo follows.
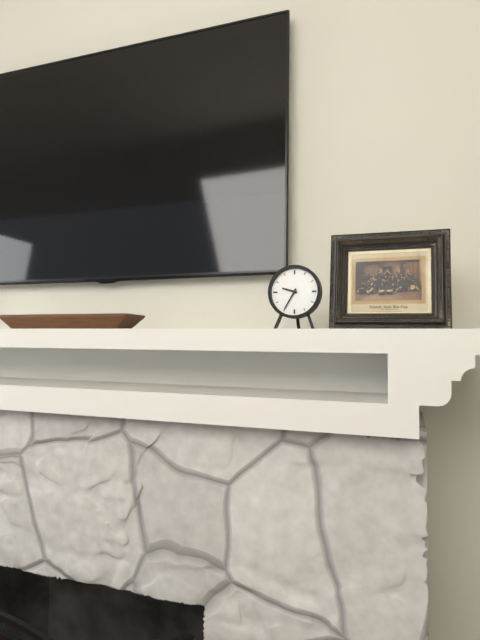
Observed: 9:35
